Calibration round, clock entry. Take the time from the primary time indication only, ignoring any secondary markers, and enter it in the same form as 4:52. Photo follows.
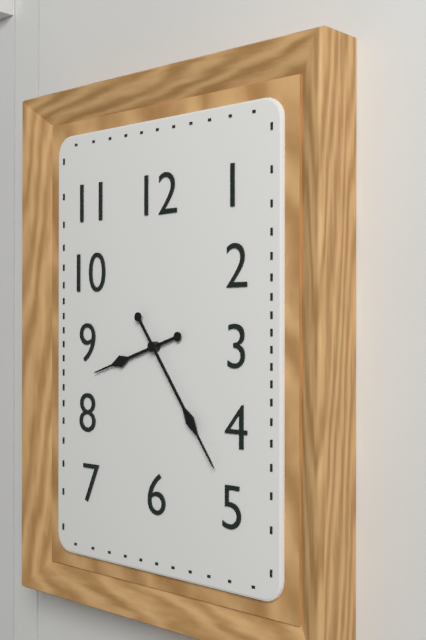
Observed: 8:24
